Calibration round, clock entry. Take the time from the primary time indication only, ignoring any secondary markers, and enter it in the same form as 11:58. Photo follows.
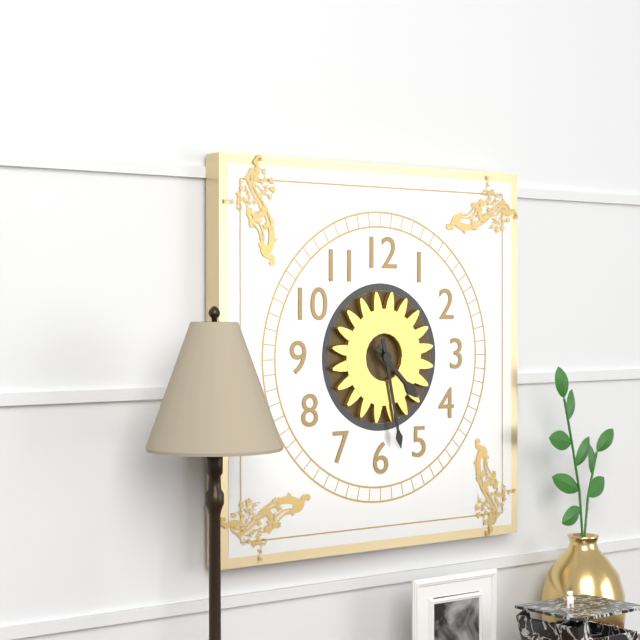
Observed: 4:28
